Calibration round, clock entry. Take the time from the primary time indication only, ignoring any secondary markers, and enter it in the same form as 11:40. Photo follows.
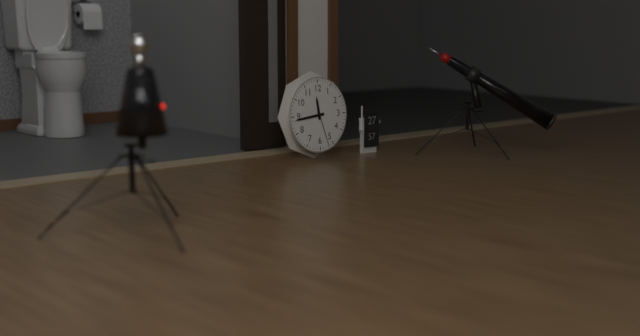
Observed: 11:44
